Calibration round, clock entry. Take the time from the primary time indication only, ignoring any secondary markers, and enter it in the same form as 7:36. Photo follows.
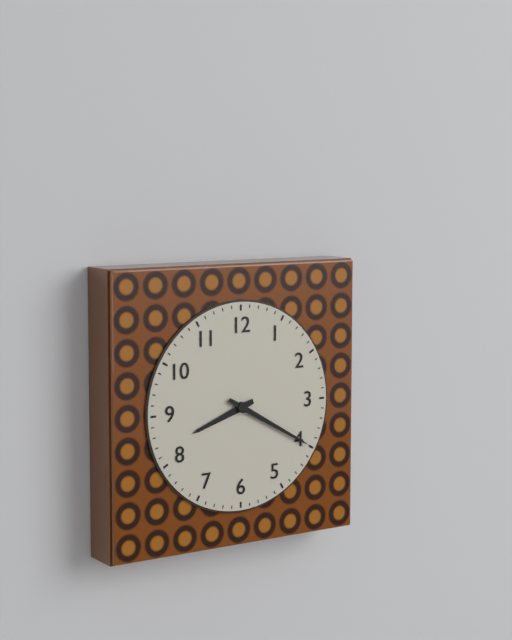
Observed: 8:20
